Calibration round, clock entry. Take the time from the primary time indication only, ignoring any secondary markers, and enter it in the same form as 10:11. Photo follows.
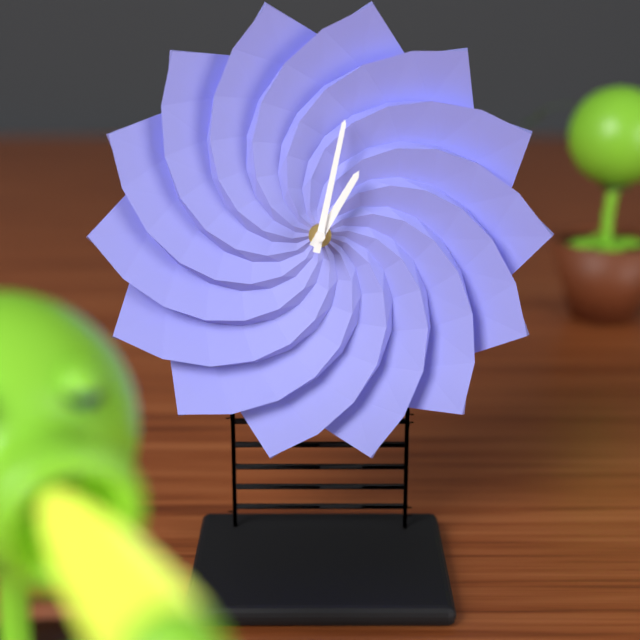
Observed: 1:02
